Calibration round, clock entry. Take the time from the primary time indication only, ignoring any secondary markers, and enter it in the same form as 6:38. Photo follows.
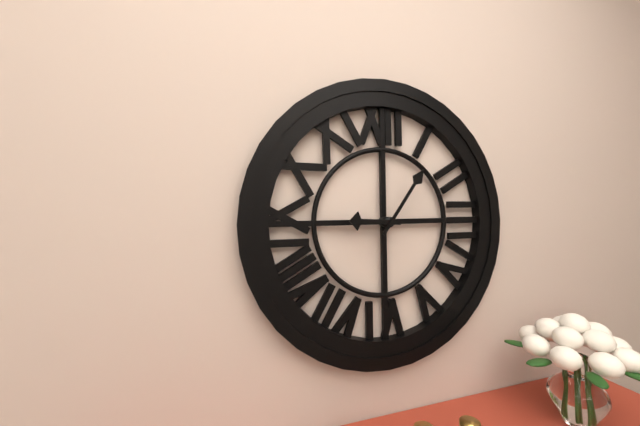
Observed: 9:06
